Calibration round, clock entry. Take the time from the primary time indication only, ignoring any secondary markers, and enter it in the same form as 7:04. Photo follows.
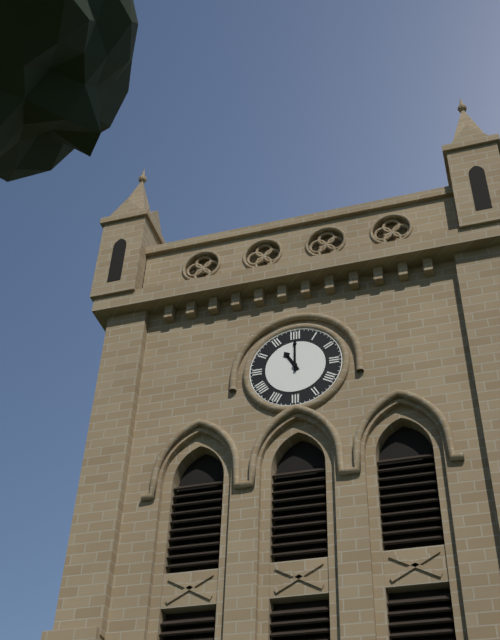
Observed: 11:00
